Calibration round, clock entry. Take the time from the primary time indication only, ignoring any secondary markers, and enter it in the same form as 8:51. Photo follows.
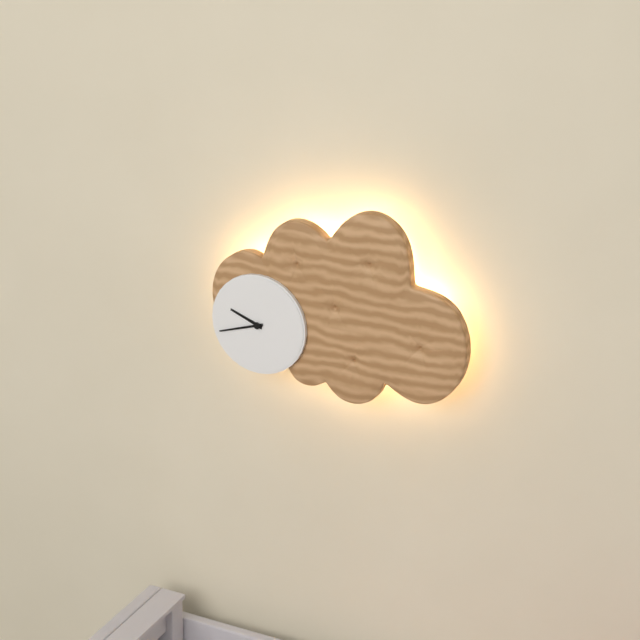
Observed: 9:42
